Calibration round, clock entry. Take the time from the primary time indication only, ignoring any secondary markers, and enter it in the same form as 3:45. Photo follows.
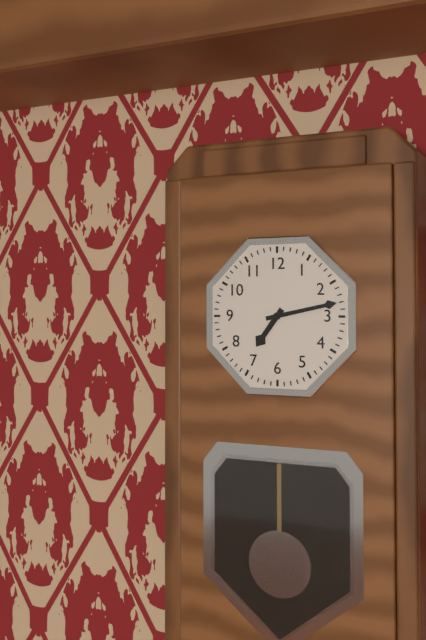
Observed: 7:13
